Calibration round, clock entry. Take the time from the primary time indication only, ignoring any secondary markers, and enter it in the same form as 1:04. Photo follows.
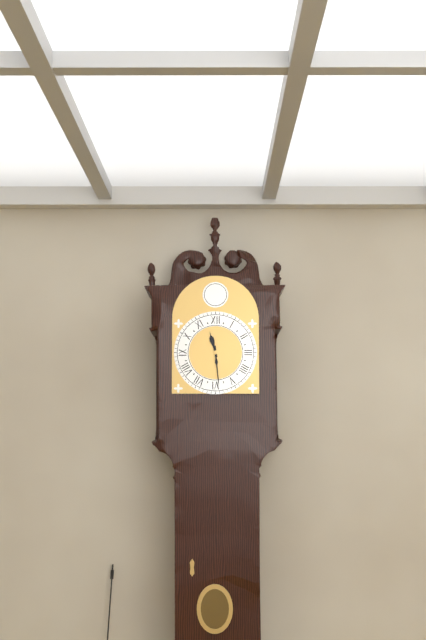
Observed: 11:29
